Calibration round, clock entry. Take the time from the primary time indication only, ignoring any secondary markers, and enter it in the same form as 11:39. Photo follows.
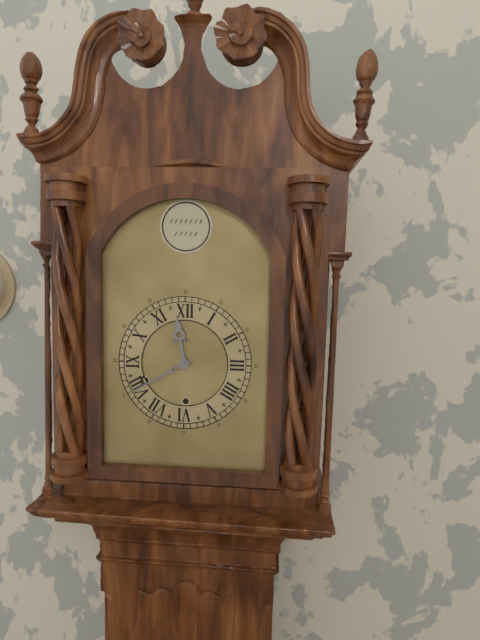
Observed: 11:40
